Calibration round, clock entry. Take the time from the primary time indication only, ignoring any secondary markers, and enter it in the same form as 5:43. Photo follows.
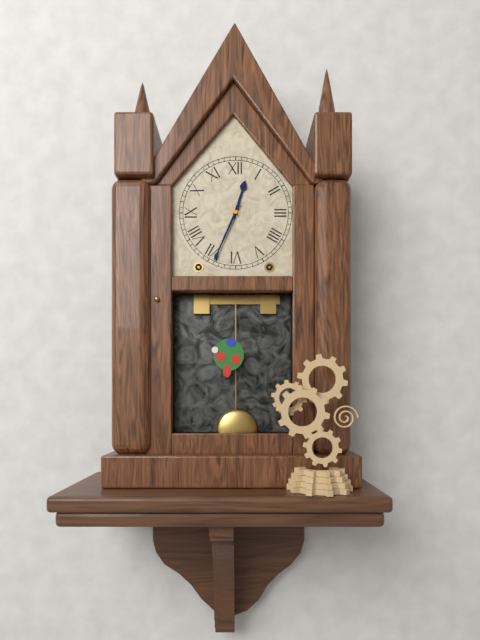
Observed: 12:34
